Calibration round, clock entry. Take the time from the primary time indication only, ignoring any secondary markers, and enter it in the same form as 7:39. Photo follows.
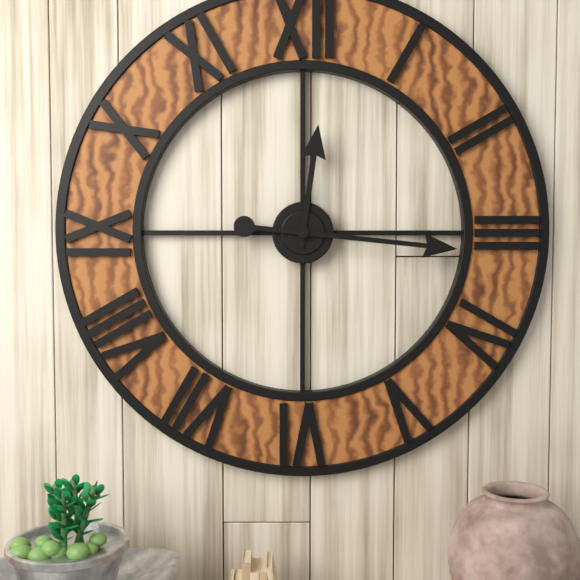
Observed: 12:16
